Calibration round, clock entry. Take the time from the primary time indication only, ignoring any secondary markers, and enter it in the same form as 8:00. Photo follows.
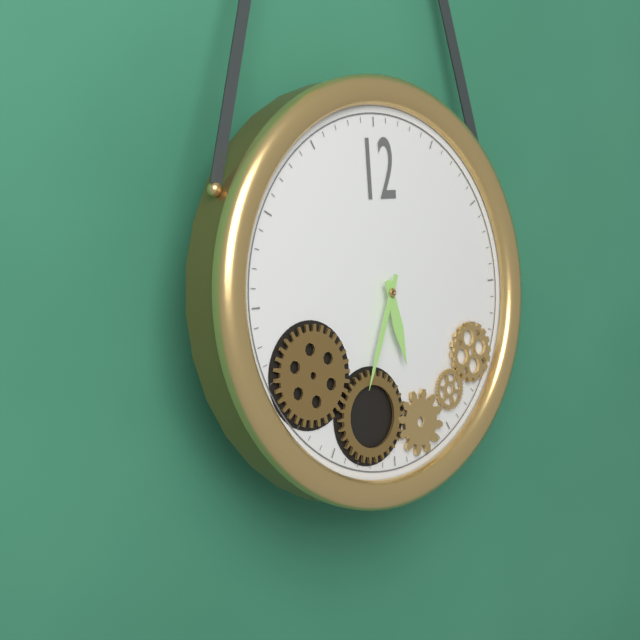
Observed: 5:34
